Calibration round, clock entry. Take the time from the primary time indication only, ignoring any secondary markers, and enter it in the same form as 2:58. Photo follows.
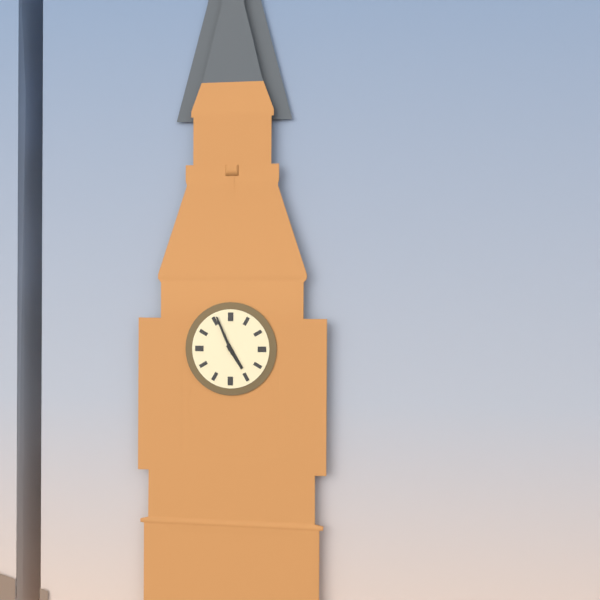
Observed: 4:56
